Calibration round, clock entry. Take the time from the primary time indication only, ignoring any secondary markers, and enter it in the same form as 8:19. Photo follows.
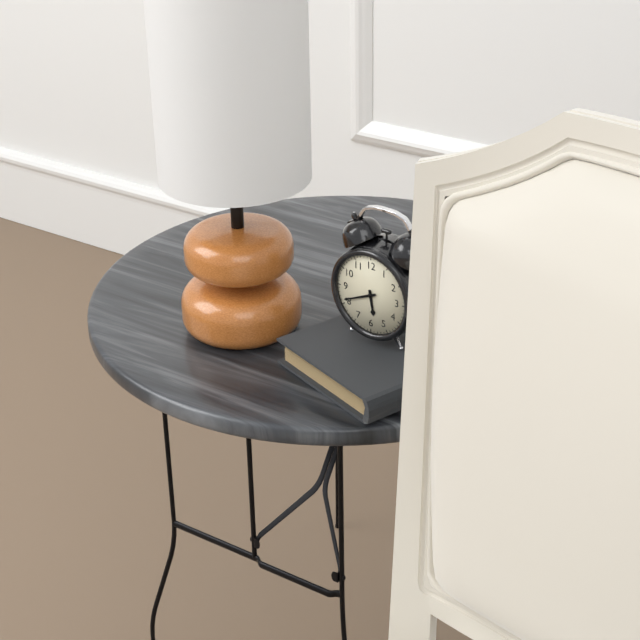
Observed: 5:41
